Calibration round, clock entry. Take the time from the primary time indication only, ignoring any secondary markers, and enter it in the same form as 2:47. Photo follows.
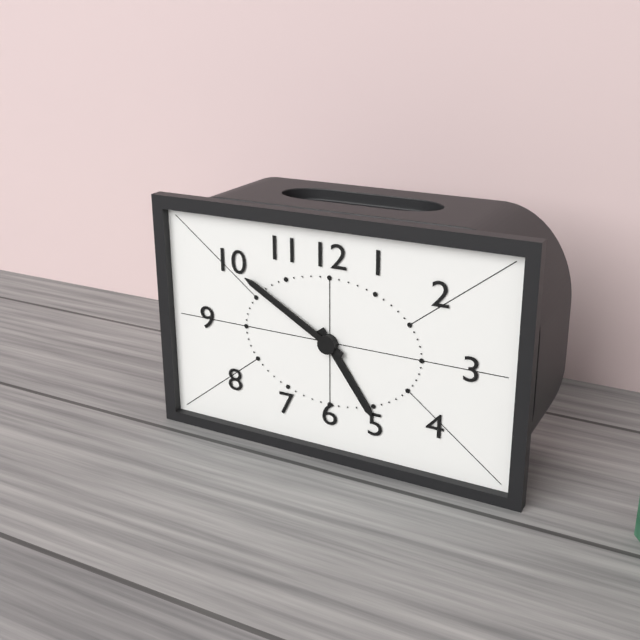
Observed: 4:50
